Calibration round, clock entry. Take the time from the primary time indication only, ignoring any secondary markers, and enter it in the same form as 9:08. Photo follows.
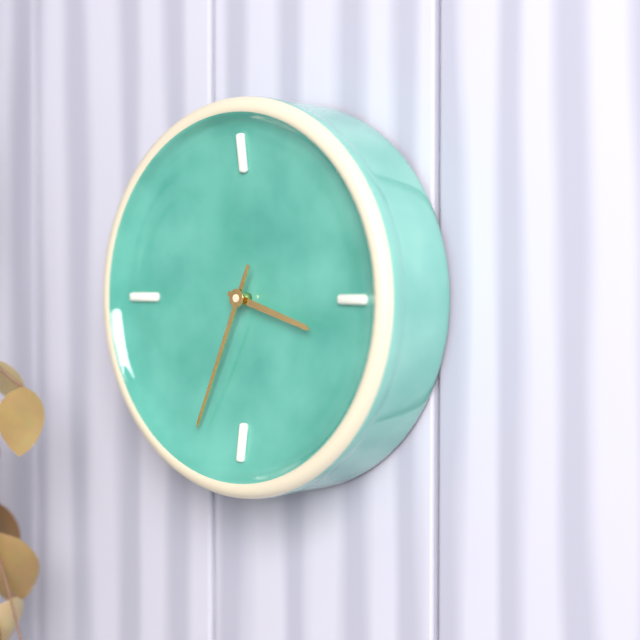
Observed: 3:34
